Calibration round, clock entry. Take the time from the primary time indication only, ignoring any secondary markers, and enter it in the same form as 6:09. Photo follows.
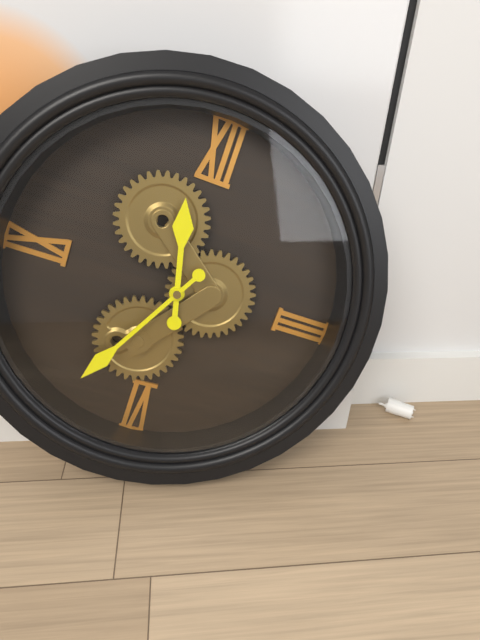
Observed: 11:35
